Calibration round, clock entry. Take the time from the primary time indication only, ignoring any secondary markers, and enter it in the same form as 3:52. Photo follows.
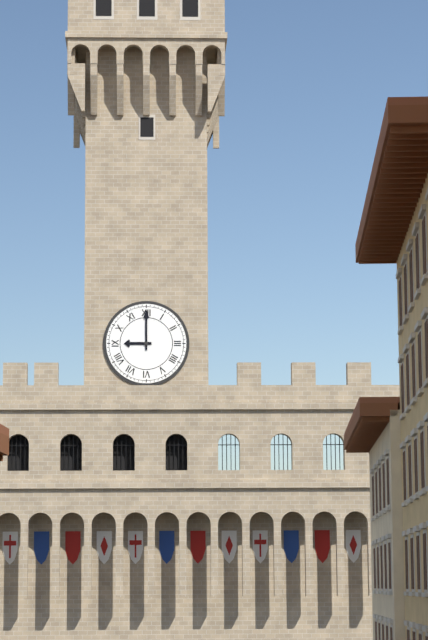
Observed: 9:00
